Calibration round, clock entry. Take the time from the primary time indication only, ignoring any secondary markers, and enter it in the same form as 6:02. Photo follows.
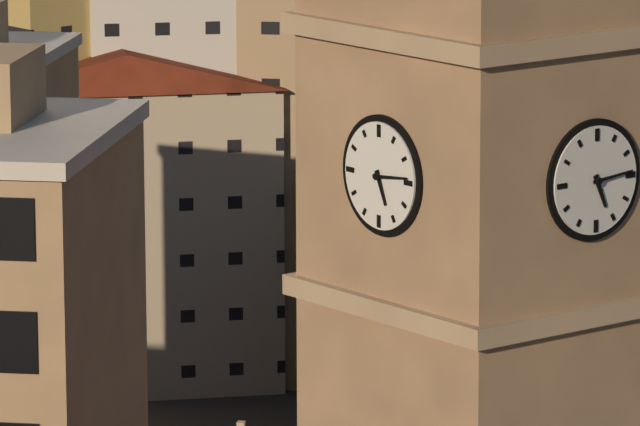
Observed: 5:14
